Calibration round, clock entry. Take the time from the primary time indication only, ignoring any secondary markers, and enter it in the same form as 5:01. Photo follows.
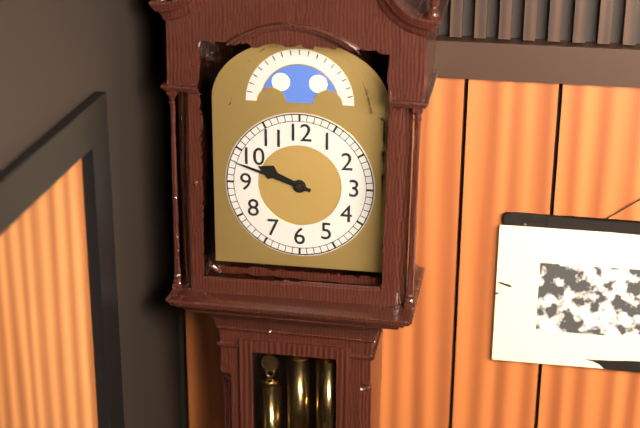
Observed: 9:48
